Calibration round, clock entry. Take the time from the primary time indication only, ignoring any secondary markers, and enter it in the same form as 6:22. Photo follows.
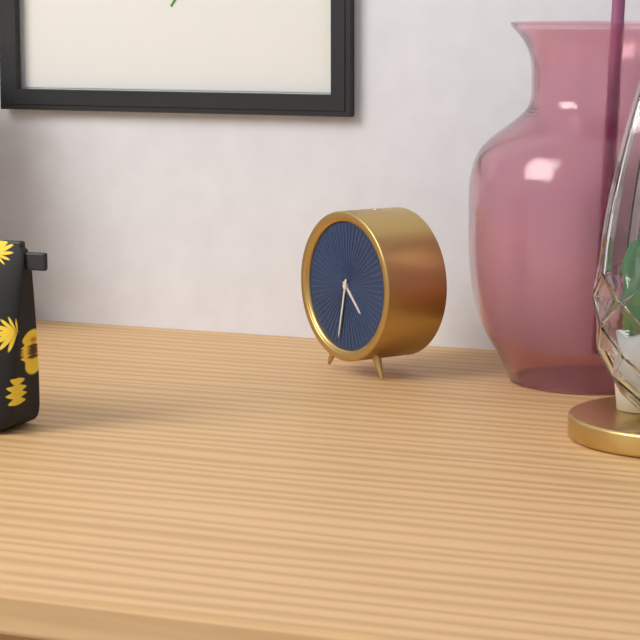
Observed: 4:32
